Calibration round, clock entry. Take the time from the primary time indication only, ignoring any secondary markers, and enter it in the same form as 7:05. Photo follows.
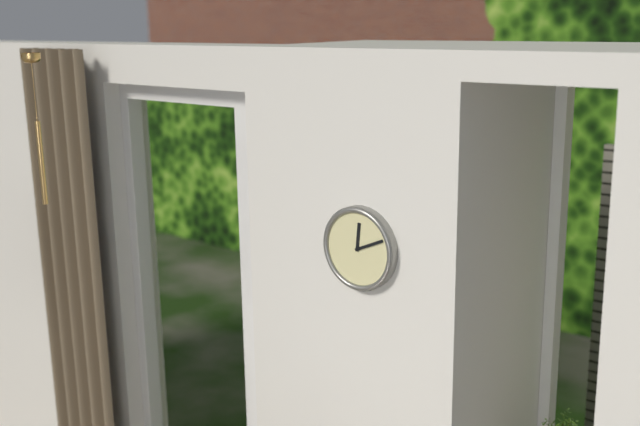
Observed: 12:11
